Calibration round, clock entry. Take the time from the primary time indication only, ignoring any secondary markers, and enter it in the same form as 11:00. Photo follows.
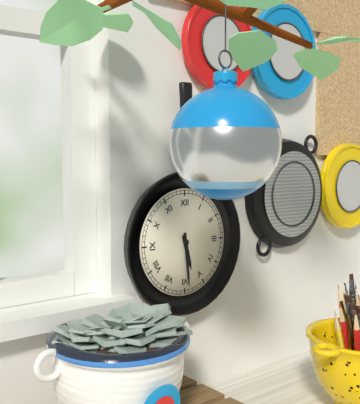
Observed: 5:29
